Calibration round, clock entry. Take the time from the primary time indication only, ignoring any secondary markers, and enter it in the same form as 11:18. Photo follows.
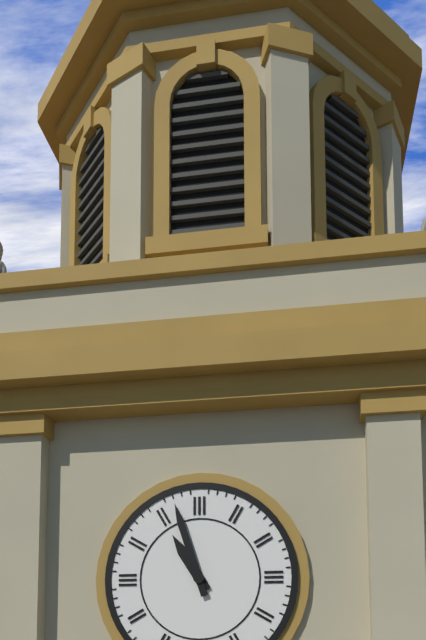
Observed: 10:57
